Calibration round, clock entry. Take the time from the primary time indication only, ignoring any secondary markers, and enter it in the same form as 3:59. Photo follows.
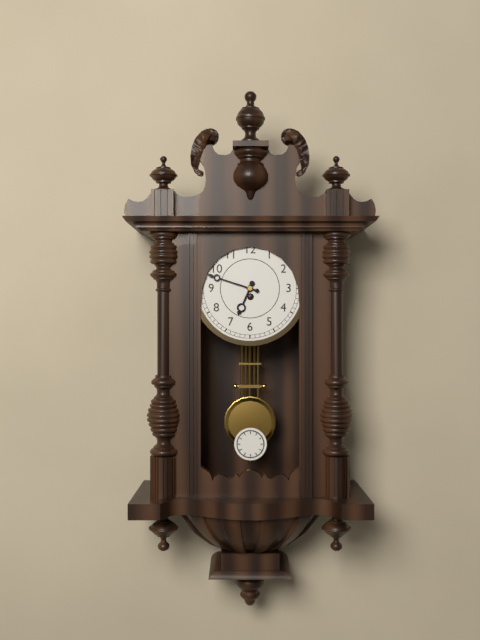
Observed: 6:48
